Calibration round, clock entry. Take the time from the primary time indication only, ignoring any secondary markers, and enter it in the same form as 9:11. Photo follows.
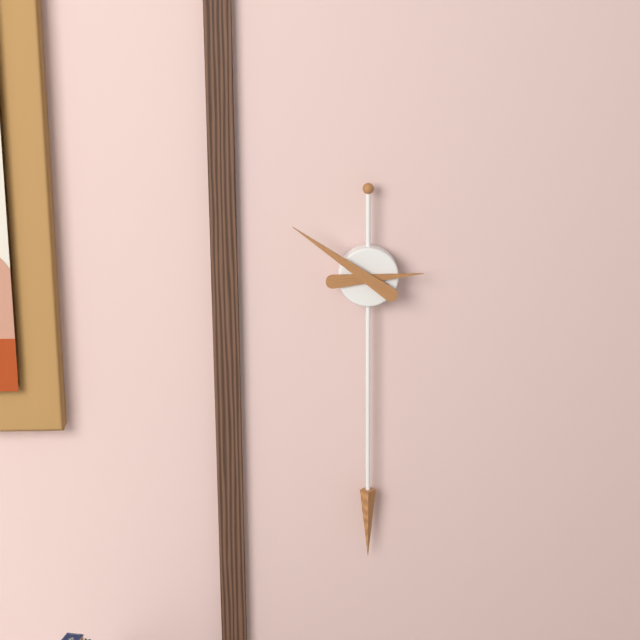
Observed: 2:51
